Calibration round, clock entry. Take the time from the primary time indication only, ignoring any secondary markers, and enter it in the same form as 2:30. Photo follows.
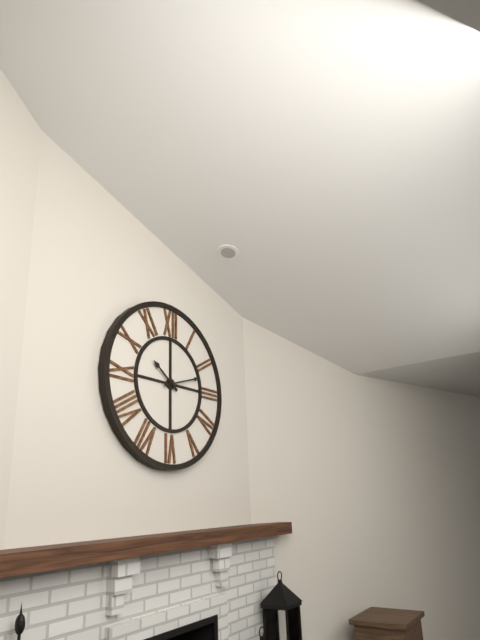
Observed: 10:12
